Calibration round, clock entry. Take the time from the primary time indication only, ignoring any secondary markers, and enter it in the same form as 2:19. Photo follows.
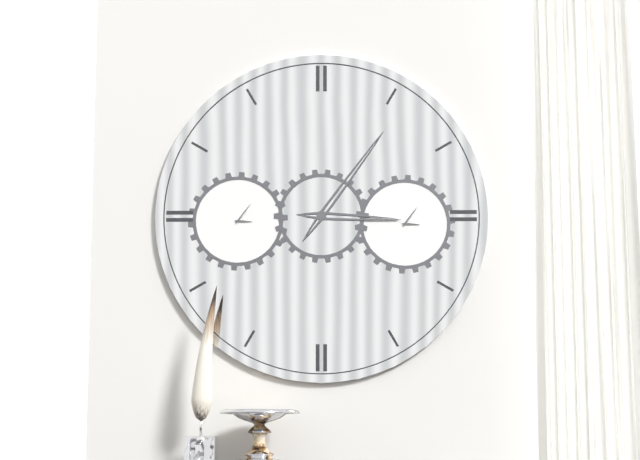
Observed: 3:06
